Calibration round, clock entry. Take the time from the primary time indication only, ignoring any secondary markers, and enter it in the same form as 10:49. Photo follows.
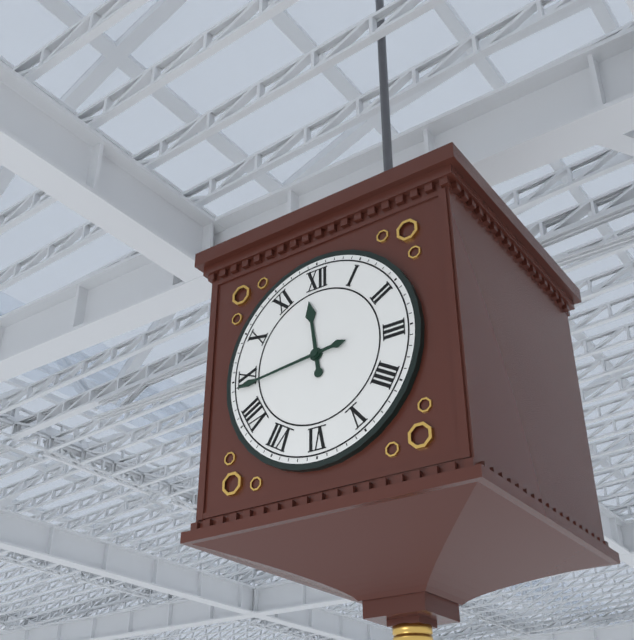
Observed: 11:44
